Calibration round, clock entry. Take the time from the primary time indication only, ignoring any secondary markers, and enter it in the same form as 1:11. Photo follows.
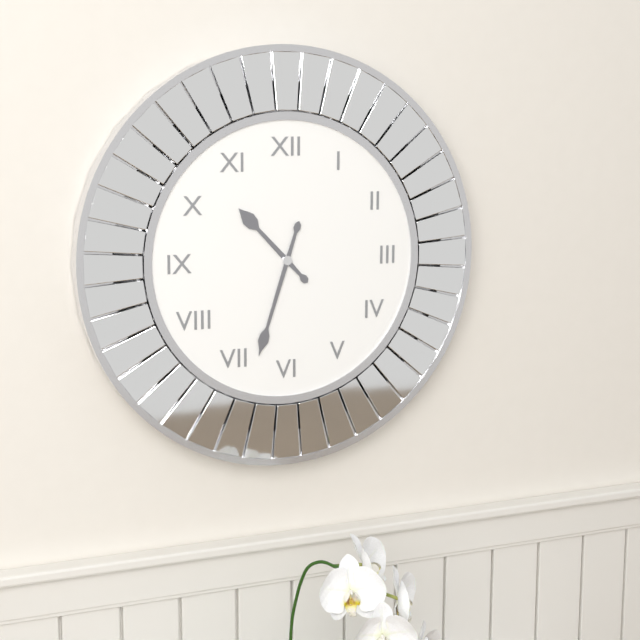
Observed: 10:33
